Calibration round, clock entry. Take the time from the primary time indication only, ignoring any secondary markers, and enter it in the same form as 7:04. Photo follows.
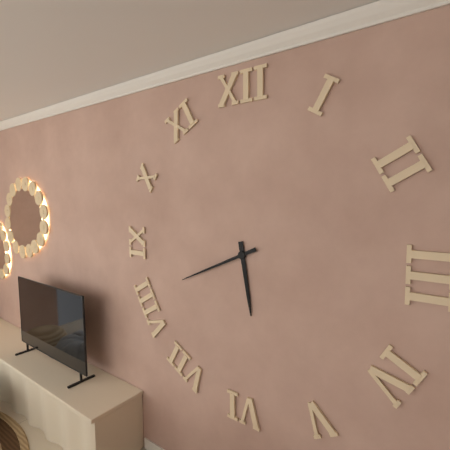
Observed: 5:41
